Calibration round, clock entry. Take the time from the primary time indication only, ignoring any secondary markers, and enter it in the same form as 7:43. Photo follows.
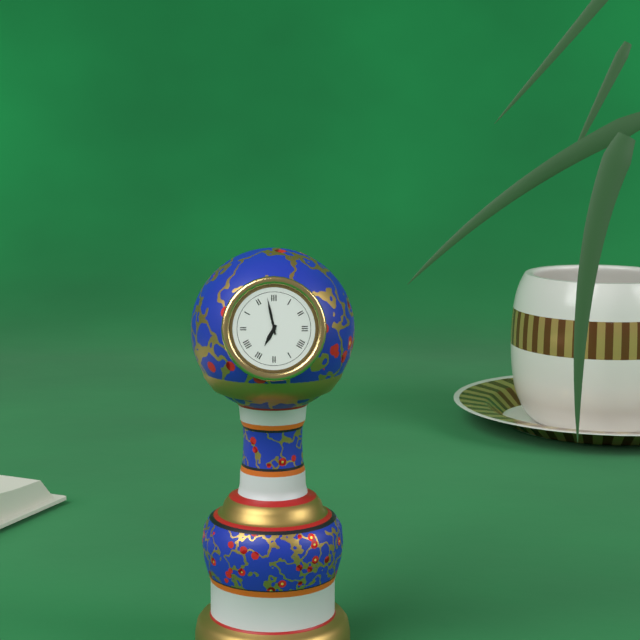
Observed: 6:58
